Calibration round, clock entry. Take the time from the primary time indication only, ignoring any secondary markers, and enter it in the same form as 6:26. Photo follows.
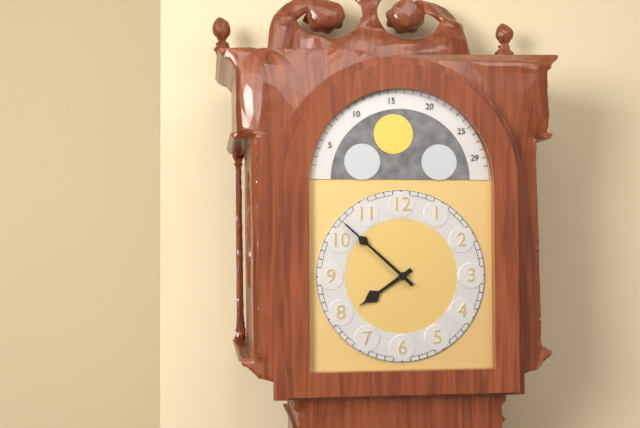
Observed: 7:52
